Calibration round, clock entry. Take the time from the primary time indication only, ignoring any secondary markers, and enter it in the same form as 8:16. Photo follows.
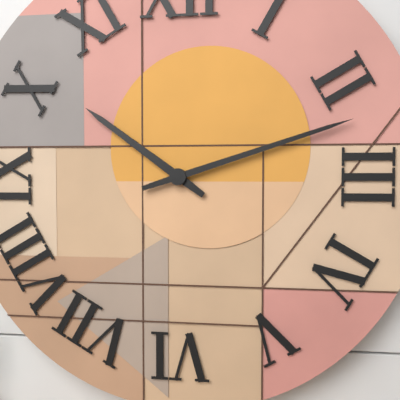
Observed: 10:12
